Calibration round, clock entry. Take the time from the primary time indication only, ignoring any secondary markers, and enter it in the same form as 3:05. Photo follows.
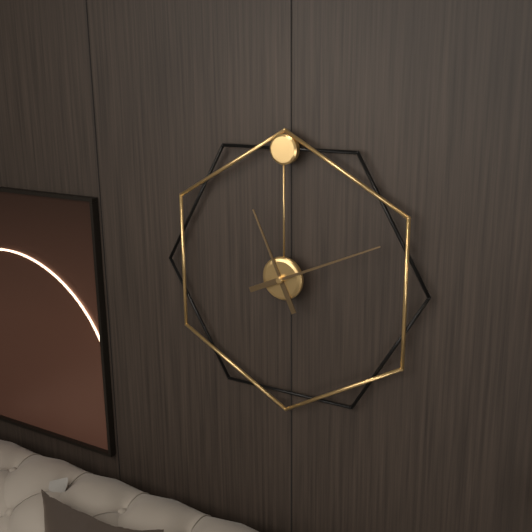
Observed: 11:11
